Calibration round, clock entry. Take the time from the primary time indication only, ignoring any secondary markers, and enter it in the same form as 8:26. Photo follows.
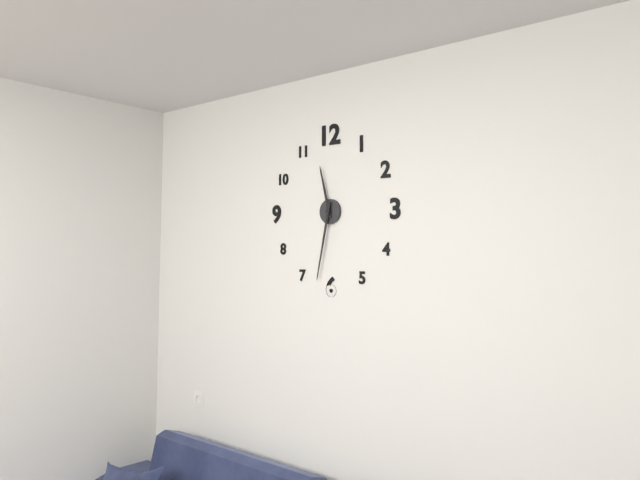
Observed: 11:32
